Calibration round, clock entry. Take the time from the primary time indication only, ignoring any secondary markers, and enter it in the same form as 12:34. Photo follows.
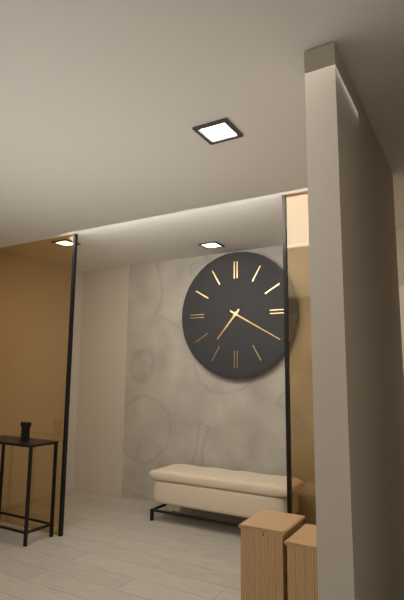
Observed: 7:20
